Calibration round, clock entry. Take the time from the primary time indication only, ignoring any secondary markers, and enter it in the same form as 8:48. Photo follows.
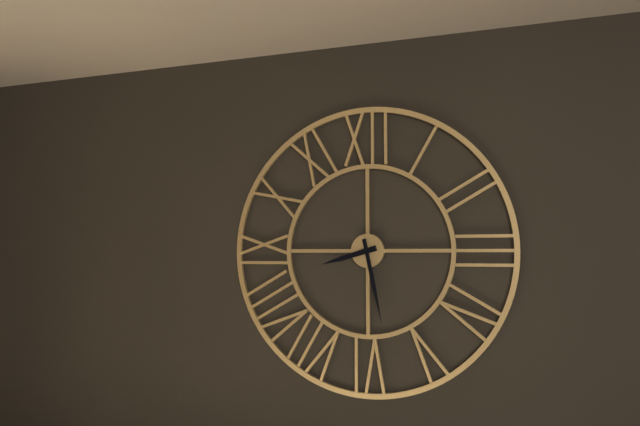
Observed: 8:28
